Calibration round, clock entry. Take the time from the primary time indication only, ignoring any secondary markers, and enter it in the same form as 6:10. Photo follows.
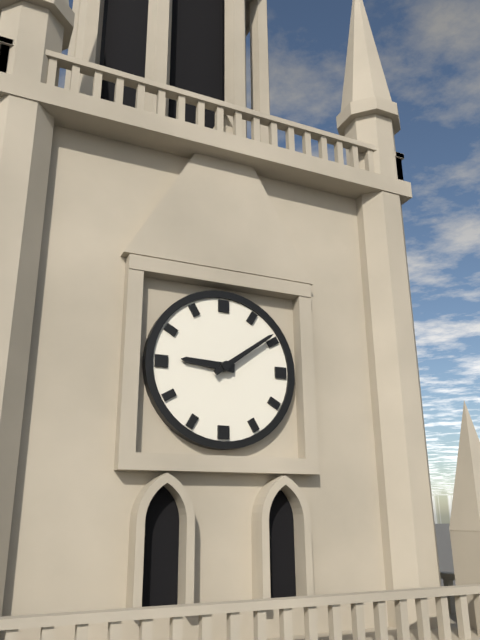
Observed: 9:09
